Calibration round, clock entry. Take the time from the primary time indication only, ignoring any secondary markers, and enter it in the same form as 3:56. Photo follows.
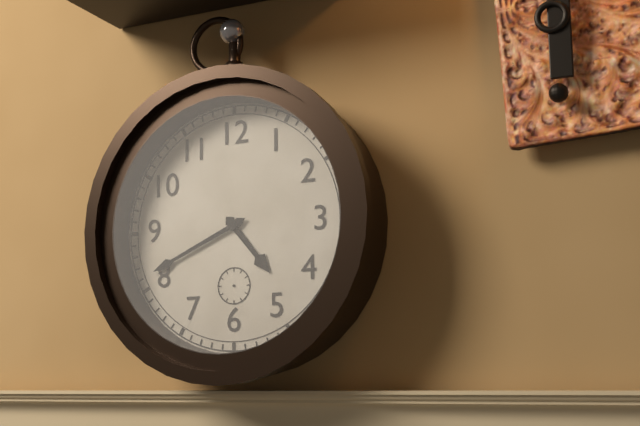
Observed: 4:41
